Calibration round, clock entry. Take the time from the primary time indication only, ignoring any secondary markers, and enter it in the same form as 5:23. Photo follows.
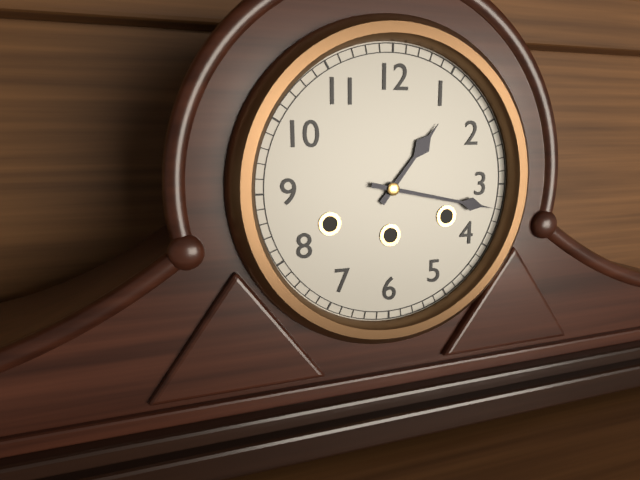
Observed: 1:17
